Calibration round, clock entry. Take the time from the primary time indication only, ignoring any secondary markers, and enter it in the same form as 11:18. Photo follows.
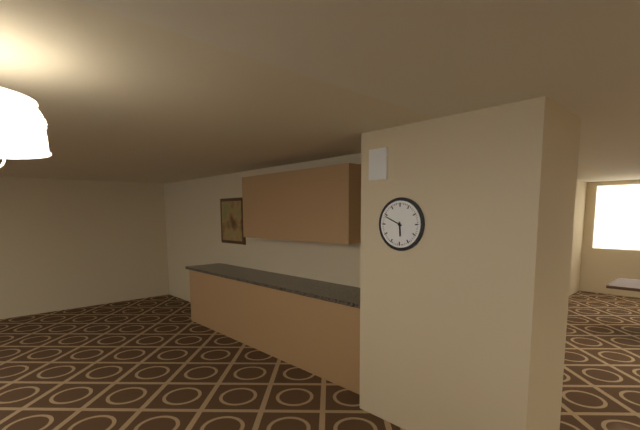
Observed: 5:49
